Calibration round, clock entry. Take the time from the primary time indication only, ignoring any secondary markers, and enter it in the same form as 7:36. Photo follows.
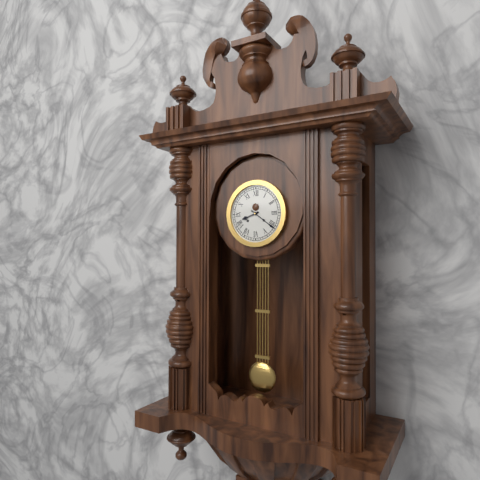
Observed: 8:21
